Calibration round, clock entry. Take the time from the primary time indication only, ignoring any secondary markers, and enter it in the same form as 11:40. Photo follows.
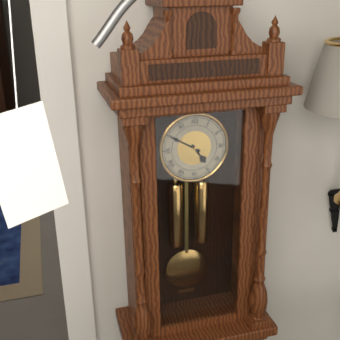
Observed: 4:50
